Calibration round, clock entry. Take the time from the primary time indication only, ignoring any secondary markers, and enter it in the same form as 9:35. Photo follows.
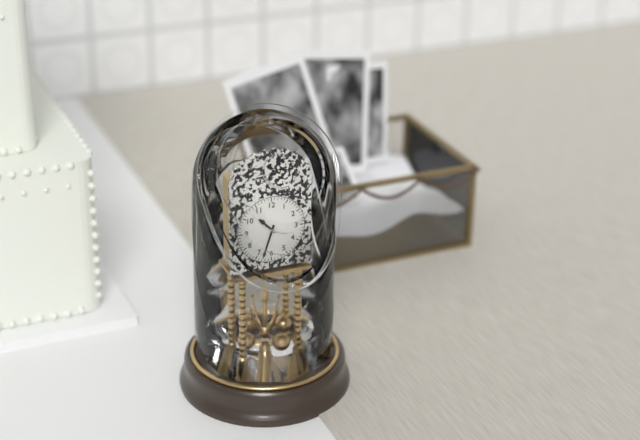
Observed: 10:33
